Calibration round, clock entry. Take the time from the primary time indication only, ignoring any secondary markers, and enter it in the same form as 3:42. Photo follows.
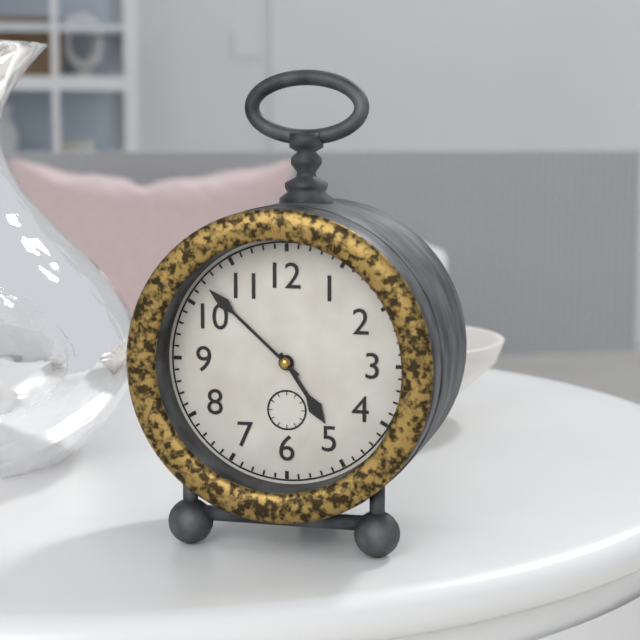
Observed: 4:52
